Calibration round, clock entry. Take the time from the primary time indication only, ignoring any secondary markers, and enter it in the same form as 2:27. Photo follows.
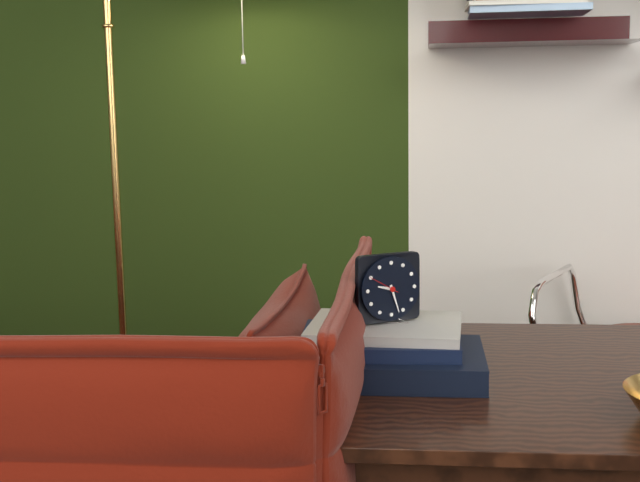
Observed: 9:27
